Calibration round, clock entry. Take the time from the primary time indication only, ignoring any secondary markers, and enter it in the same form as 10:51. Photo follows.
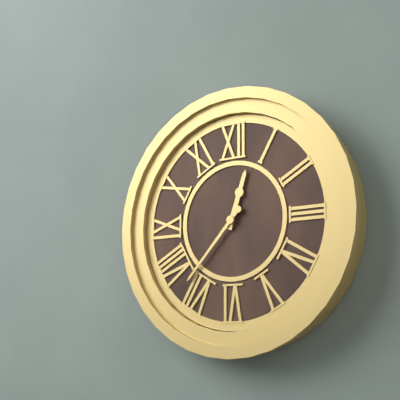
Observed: 12:37
